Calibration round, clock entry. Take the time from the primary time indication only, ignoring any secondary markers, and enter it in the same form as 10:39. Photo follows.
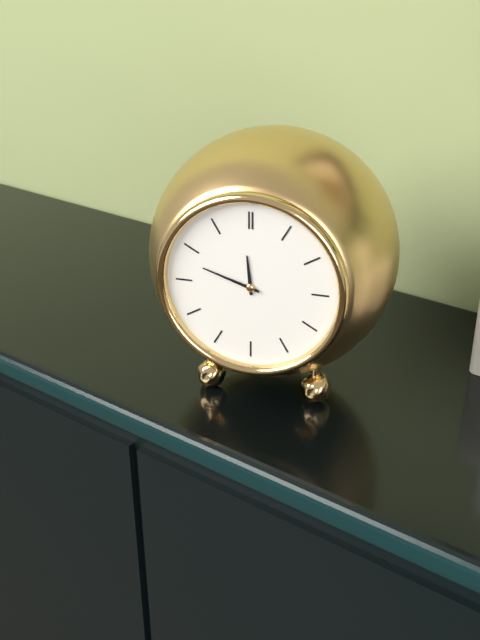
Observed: 11:48
